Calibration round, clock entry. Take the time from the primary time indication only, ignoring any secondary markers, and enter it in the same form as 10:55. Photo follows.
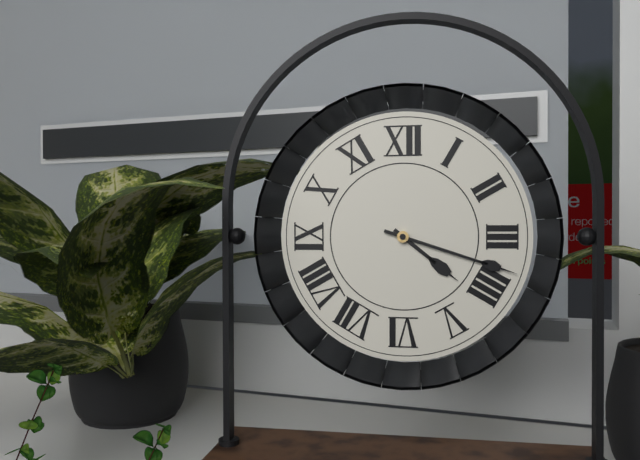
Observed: 4:18
